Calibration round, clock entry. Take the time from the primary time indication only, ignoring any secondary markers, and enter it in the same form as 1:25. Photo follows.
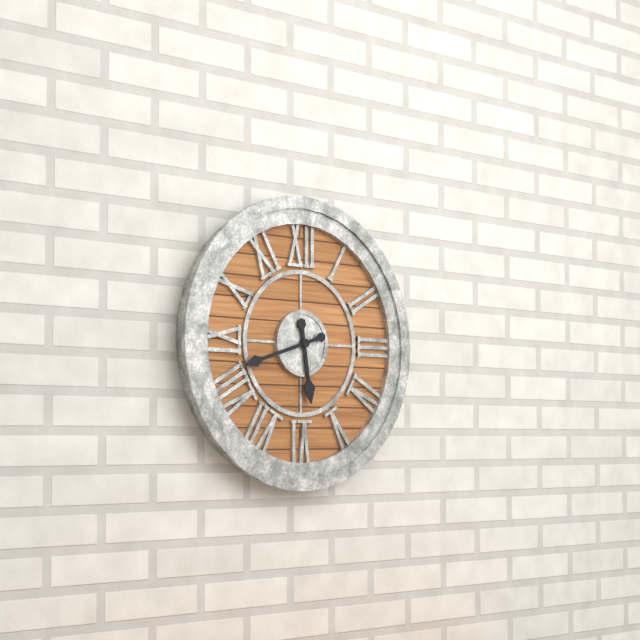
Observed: 5:42
